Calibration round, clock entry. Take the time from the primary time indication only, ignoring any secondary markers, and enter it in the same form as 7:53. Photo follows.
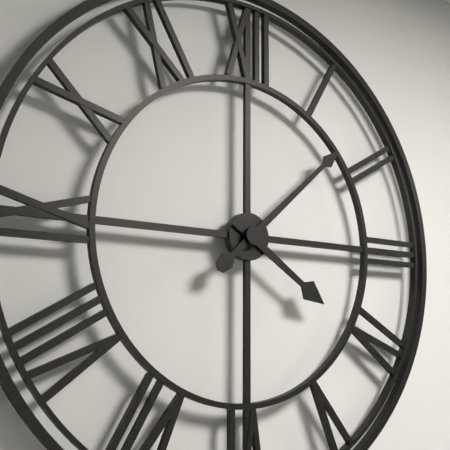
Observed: 4:08
